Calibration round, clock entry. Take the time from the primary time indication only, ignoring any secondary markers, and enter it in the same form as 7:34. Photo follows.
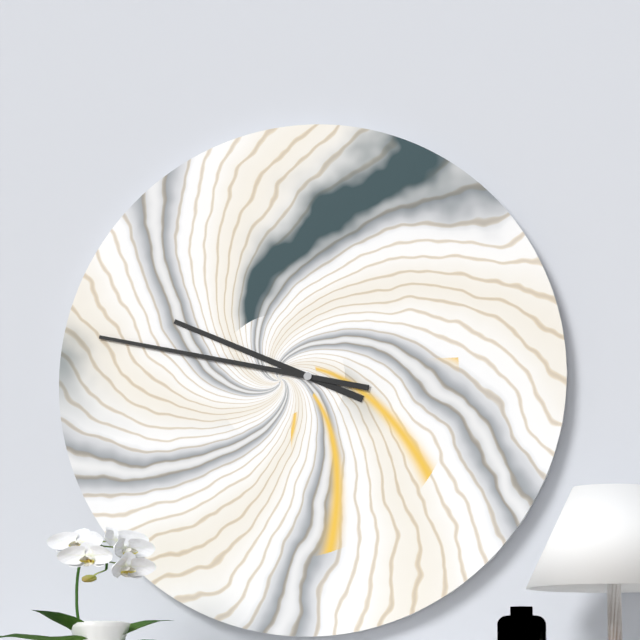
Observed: 9:47
